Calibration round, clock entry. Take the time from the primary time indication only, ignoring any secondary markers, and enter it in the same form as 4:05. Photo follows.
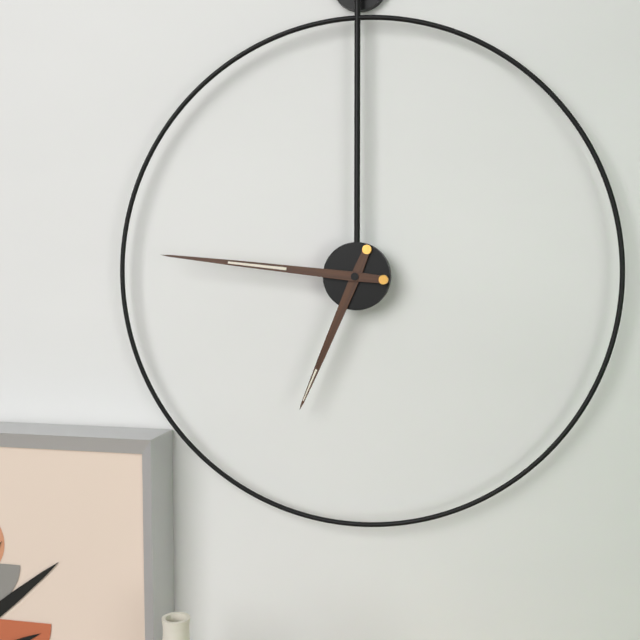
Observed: 6:46
